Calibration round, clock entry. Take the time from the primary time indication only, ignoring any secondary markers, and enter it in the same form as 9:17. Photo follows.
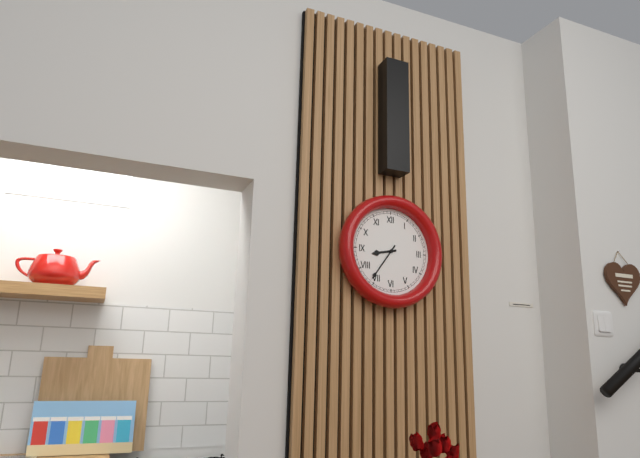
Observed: 8:36
